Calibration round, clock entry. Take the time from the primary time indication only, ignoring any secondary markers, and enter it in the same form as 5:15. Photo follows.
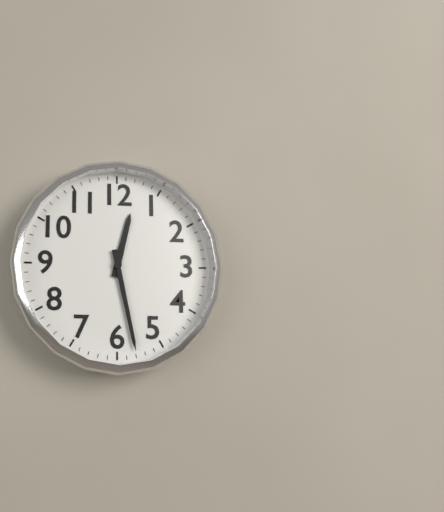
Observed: 12:28
